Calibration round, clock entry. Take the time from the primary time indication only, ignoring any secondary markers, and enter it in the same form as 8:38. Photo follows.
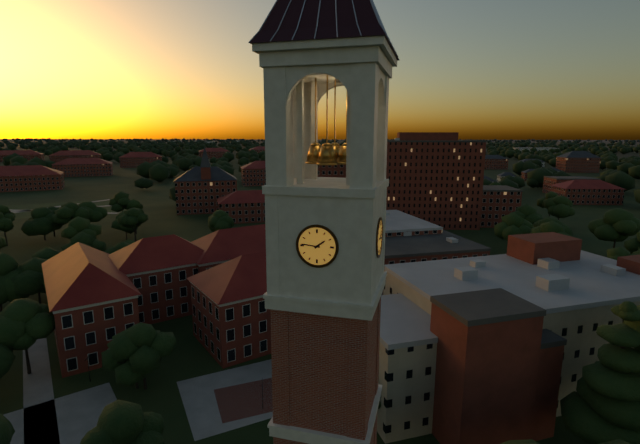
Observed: 1:46
